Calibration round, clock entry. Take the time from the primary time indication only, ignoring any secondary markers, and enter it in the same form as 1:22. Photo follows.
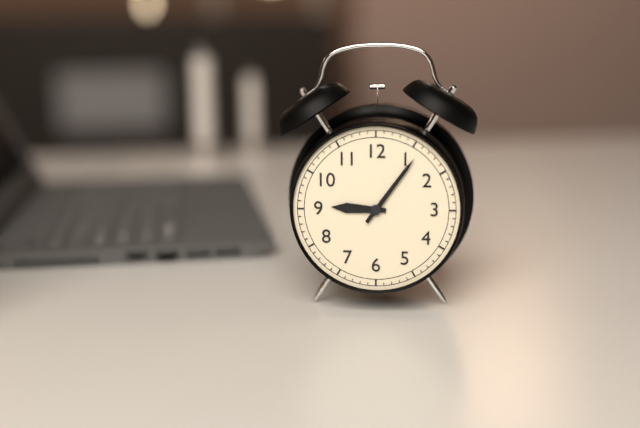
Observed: 9:06
